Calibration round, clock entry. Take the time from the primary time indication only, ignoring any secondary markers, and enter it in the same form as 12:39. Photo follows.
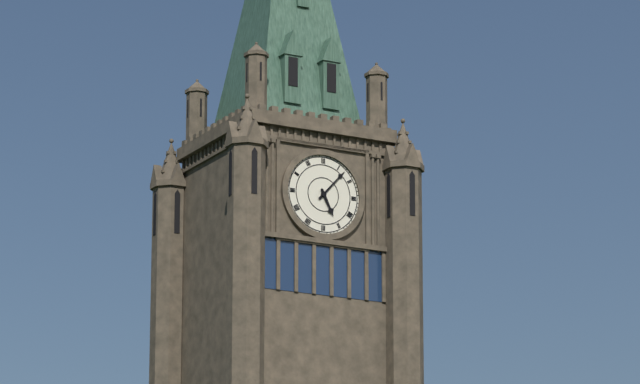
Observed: 5:07
